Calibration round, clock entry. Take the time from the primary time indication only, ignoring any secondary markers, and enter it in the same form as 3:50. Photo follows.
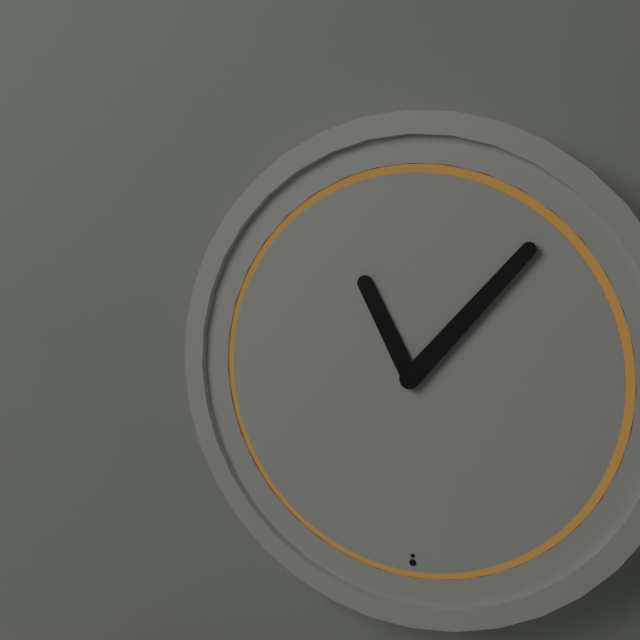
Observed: 11:07
